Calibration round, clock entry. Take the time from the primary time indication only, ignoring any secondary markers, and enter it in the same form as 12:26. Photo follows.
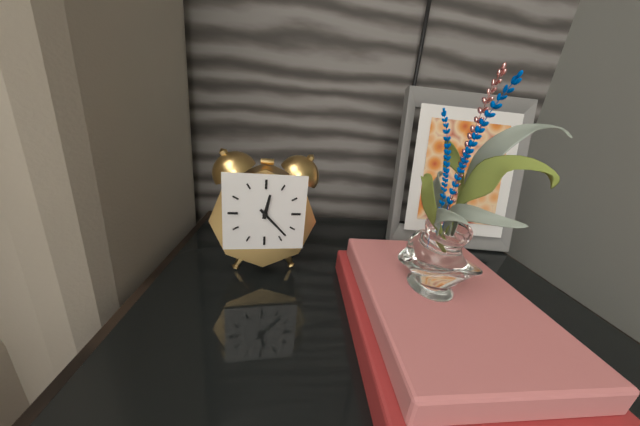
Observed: 12:23
